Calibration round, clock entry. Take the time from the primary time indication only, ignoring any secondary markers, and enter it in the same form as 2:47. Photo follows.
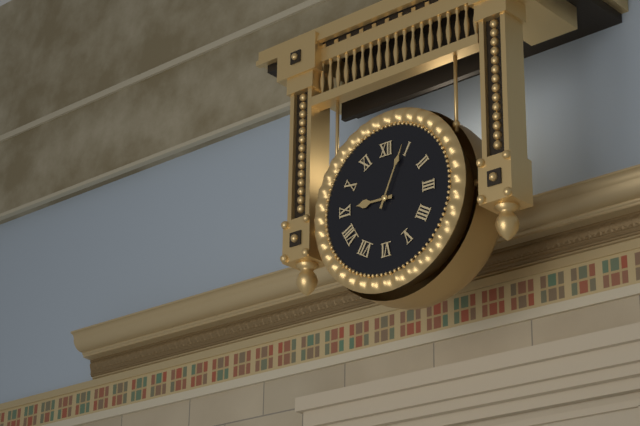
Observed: 9:04
